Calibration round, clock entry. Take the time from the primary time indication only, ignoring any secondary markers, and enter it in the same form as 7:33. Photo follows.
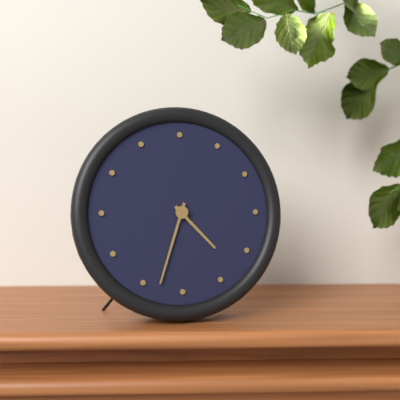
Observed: 4:33
